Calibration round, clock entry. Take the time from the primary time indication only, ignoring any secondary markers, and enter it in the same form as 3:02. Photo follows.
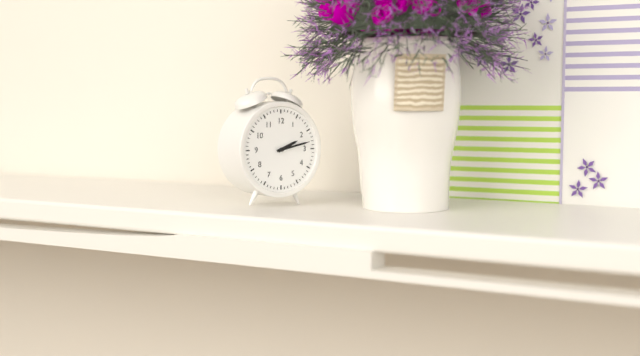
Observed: 2:13
